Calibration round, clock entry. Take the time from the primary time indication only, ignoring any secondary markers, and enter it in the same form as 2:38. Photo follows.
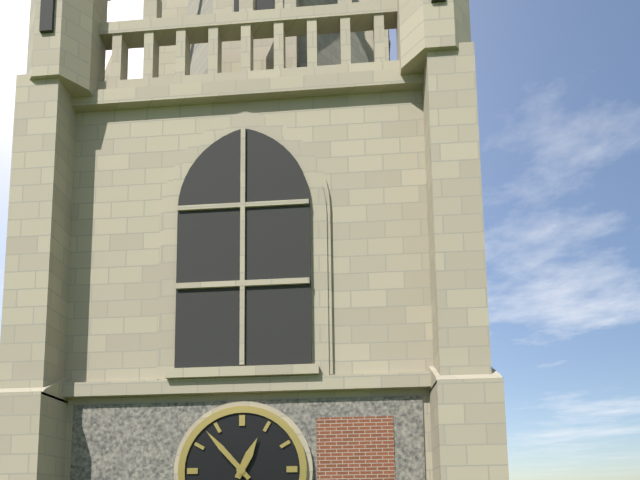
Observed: 12:53
